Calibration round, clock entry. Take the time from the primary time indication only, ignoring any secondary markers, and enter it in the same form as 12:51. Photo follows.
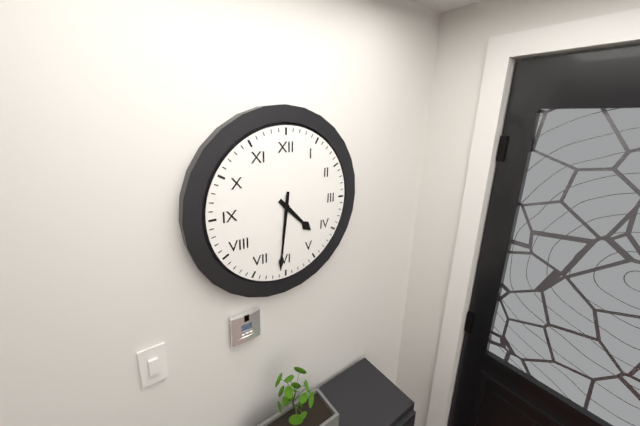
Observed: 4:31
